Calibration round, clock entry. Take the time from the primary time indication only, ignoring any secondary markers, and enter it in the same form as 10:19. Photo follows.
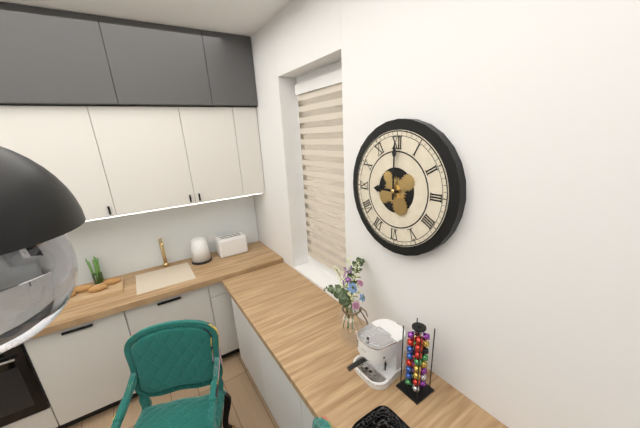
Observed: 9:00
